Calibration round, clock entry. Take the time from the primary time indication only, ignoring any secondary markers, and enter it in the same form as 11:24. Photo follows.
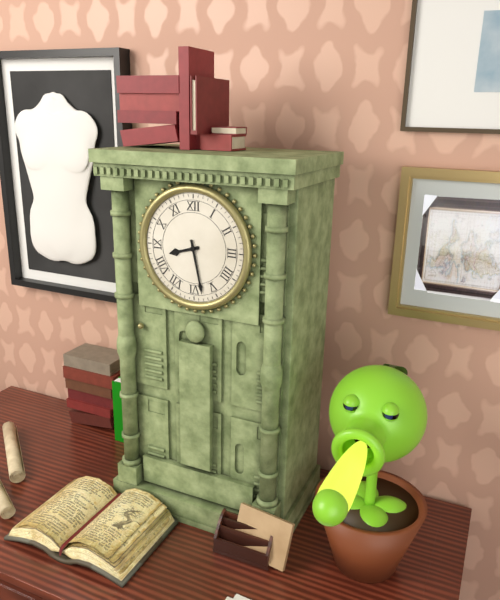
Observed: 8:28
